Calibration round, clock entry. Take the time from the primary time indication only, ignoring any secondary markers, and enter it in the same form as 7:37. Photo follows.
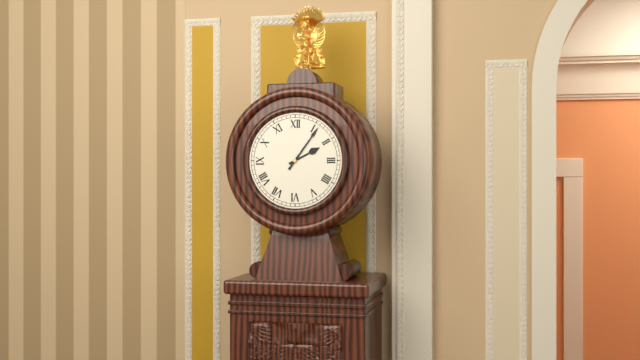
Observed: 2:06
